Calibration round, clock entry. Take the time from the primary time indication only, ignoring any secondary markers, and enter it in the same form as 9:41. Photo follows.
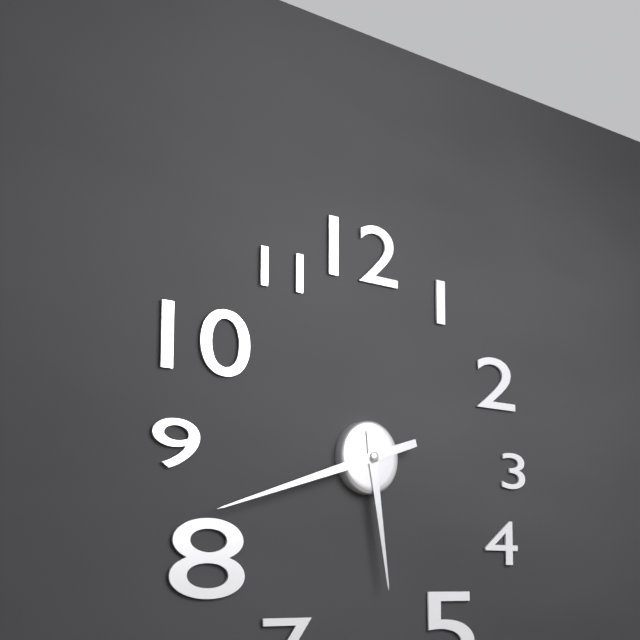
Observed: 5:42
